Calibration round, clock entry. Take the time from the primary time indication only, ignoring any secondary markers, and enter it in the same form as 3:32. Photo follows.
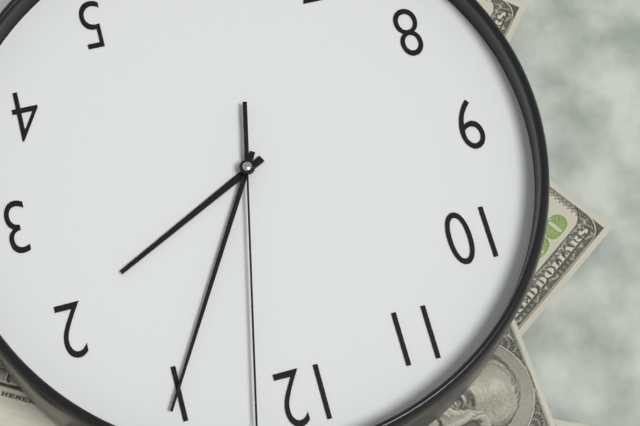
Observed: 2:05
